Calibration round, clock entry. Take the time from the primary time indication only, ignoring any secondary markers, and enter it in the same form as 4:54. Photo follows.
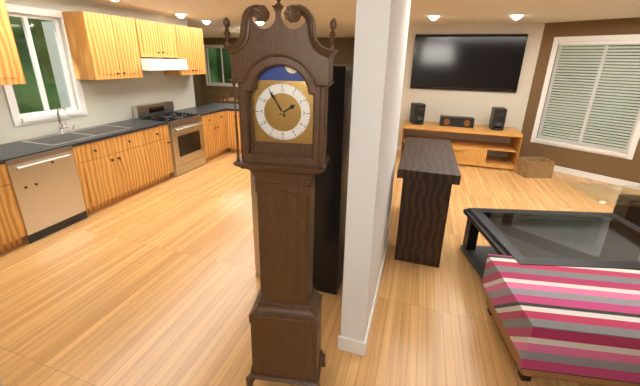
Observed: 1:55
